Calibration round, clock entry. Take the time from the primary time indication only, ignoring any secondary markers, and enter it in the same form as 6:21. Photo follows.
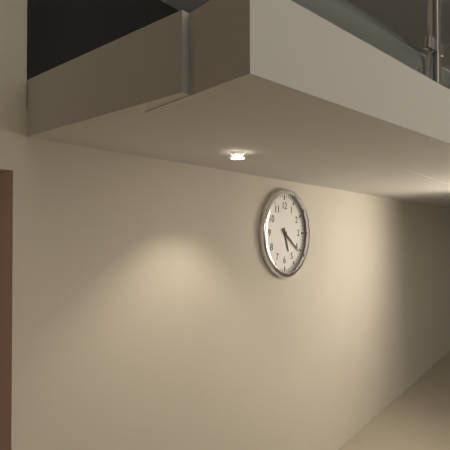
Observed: 5:21
